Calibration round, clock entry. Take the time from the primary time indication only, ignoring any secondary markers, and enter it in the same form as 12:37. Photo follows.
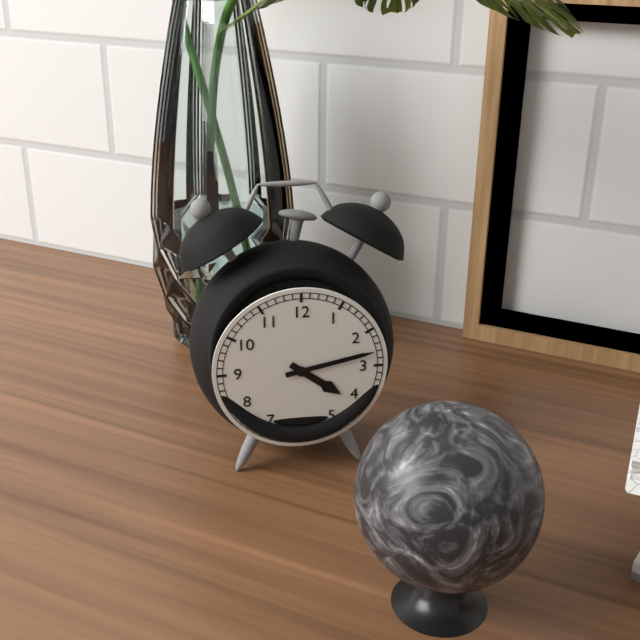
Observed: 4:13
